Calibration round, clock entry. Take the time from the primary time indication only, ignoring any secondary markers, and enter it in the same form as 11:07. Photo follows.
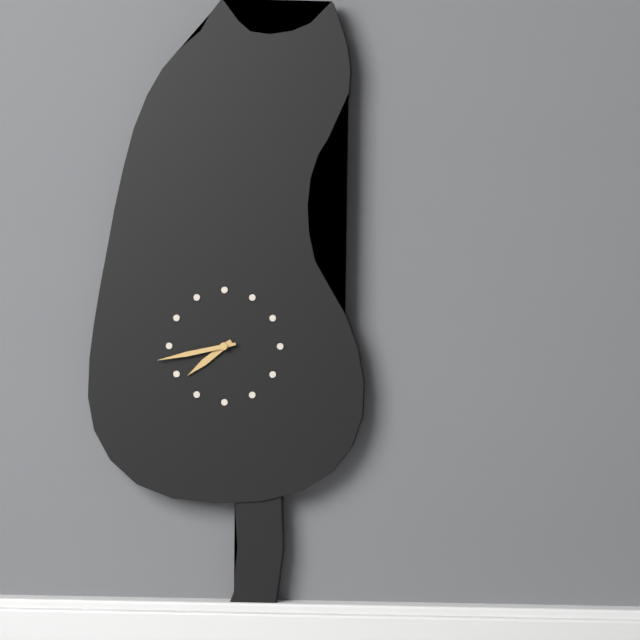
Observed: 7:43
